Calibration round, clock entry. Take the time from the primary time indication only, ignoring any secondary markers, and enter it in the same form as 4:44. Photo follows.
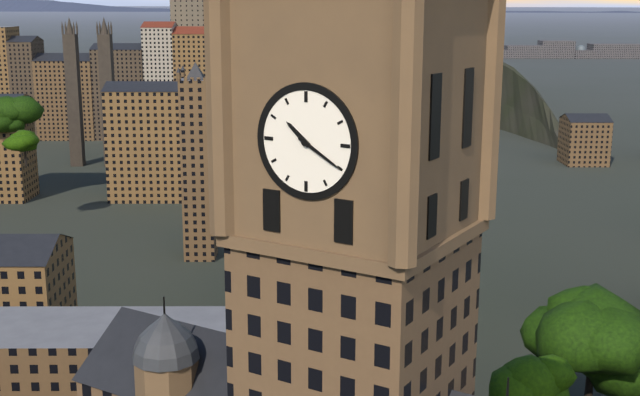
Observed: 10:20
